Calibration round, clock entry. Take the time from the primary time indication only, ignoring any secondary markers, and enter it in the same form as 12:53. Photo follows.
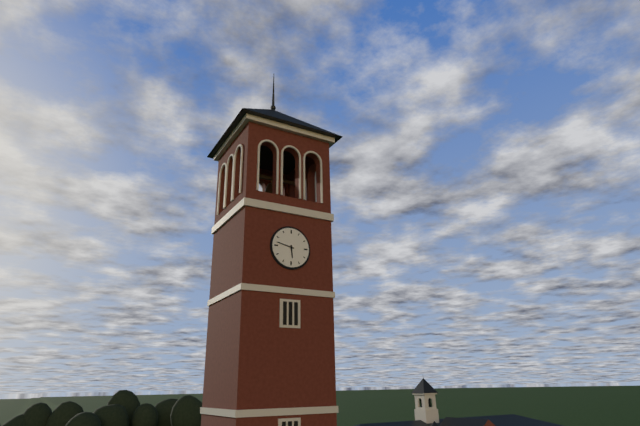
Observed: 5:47
